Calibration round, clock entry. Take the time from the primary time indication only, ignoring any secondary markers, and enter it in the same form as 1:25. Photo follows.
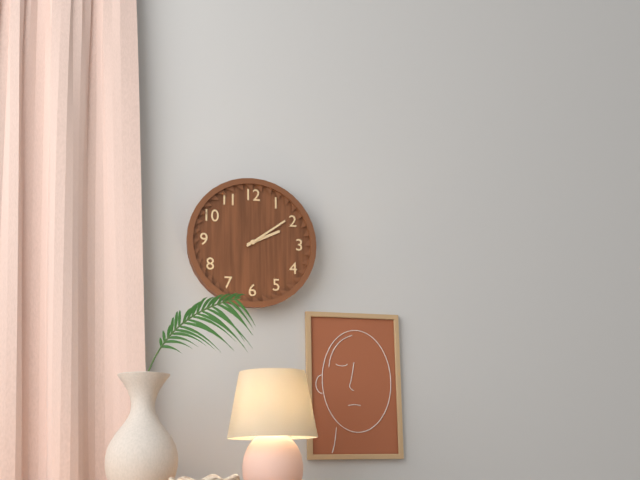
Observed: 2:09
